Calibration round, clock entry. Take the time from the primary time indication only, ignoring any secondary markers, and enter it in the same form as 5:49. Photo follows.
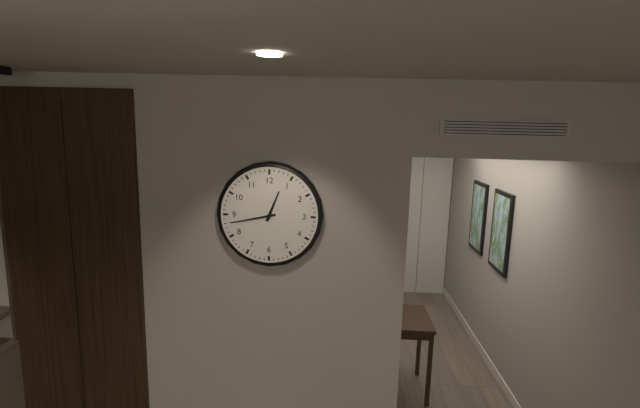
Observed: 12:43
